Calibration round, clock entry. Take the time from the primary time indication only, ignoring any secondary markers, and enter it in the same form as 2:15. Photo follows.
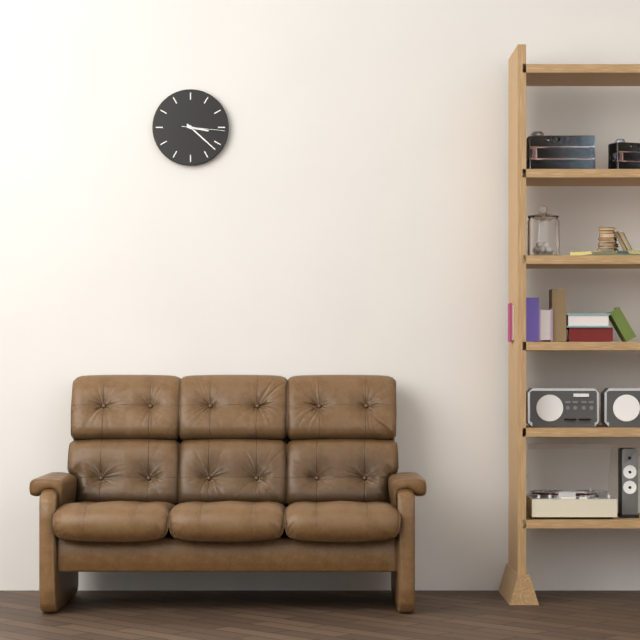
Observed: 3:22
